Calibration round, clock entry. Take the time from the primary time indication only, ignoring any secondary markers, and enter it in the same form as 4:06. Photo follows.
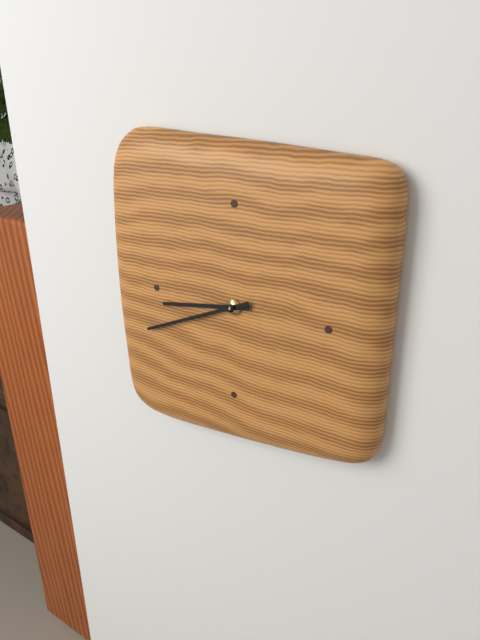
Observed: 8:41
